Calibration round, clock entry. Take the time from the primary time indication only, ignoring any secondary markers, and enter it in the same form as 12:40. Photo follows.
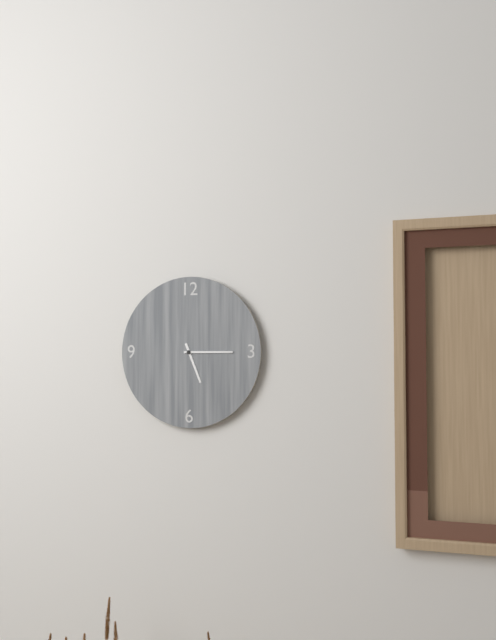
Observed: 5:15
